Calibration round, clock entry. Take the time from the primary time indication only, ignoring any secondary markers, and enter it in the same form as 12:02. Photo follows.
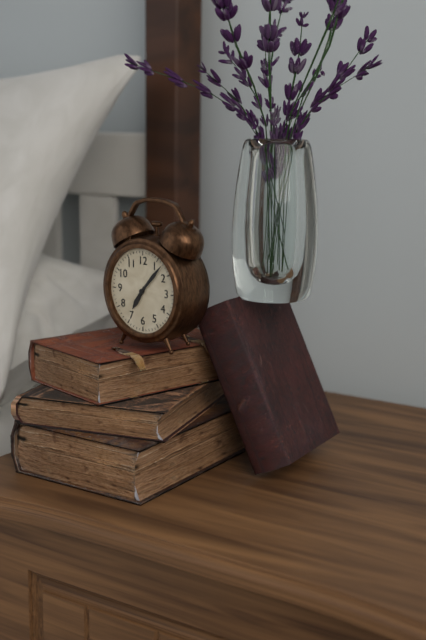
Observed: 7:07
